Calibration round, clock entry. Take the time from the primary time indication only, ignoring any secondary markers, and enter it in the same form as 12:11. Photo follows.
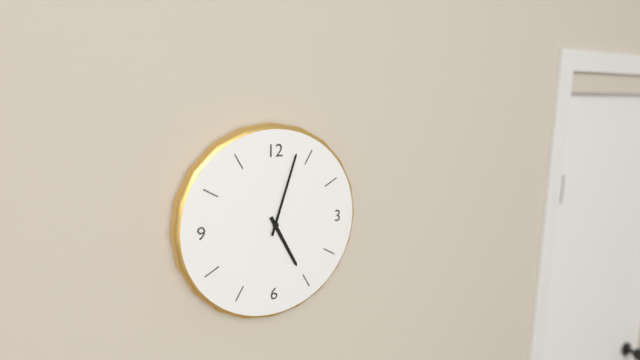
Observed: 5:03
